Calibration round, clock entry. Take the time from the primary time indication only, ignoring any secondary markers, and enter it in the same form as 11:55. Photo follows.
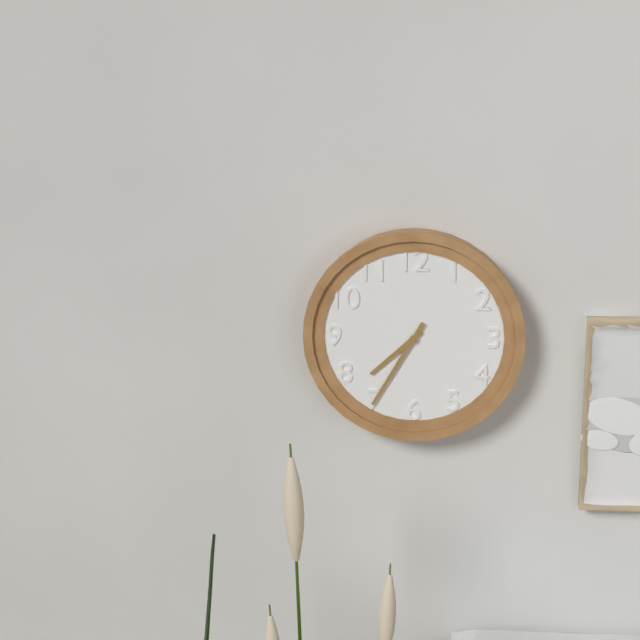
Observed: 7:35
